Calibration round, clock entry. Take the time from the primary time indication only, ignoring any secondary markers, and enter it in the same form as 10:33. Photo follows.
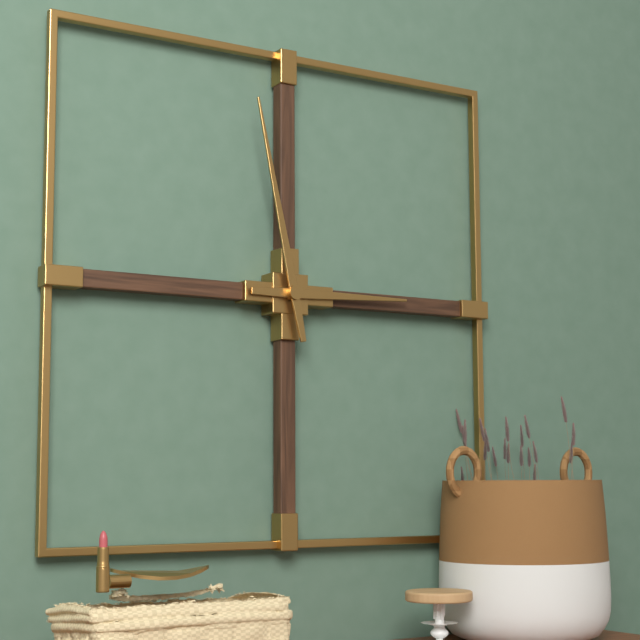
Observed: 2:58
